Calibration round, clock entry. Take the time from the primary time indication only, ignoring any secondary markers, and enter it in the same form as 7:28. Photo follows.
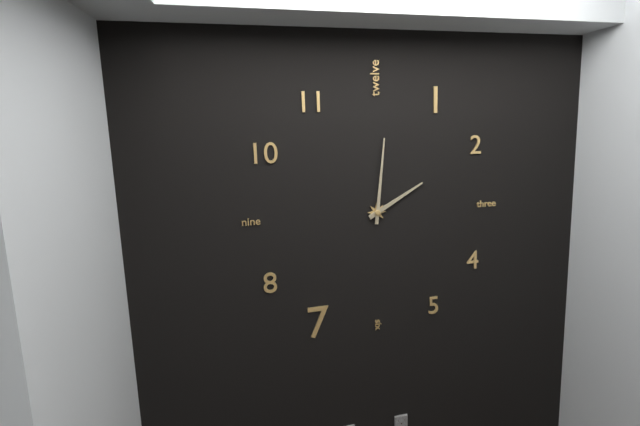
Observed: 2:01
